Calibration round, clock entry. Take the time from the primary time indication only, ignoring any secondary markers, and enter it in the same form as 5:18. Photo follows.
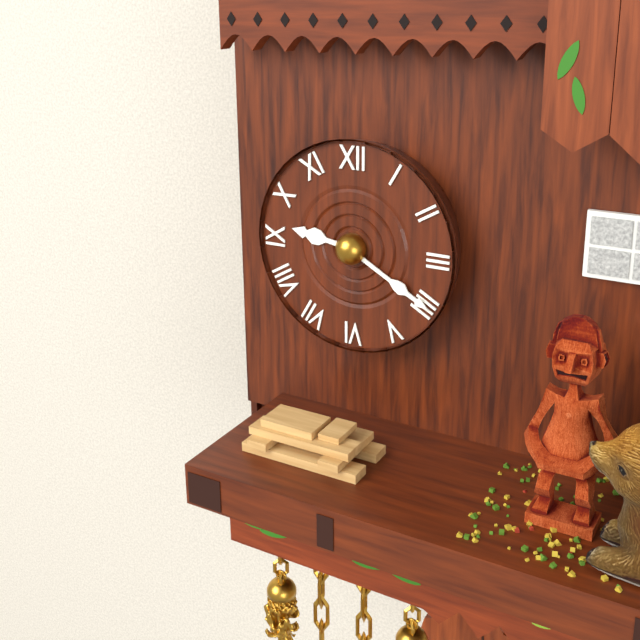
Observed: 9:20
